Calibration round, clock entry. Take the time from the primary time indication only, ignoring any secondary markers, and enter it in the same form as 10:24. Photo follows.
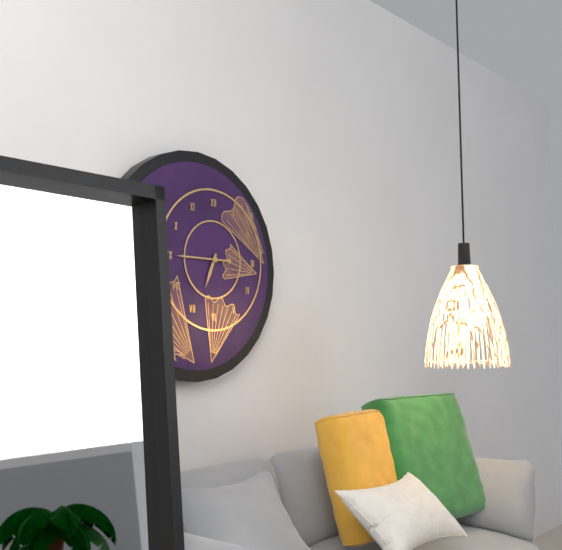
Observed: 6:45
